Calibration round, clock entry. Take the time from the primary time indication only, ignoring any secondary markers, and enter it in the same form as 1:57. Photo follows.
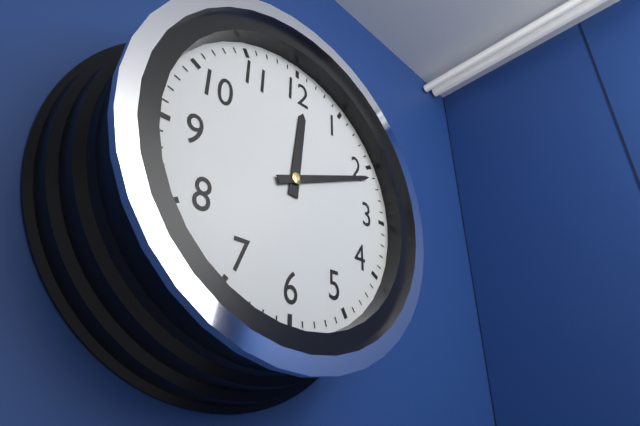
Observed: 12:11
